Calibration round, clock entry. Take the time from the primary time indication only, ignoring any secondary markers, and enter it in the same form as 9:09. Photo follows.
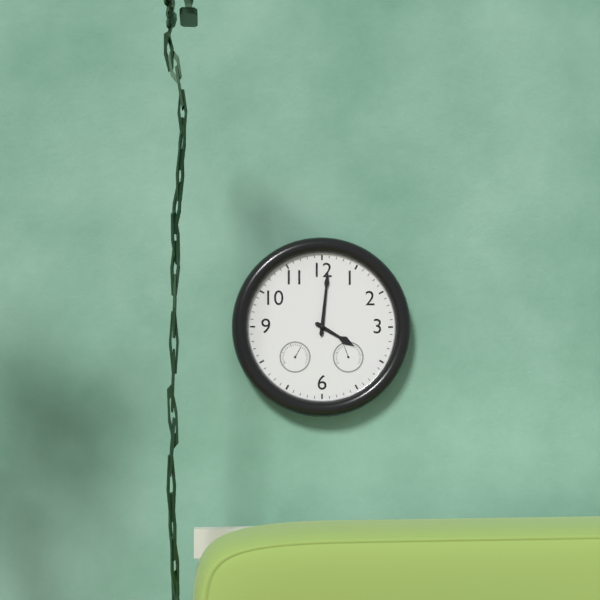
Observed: 4:01
